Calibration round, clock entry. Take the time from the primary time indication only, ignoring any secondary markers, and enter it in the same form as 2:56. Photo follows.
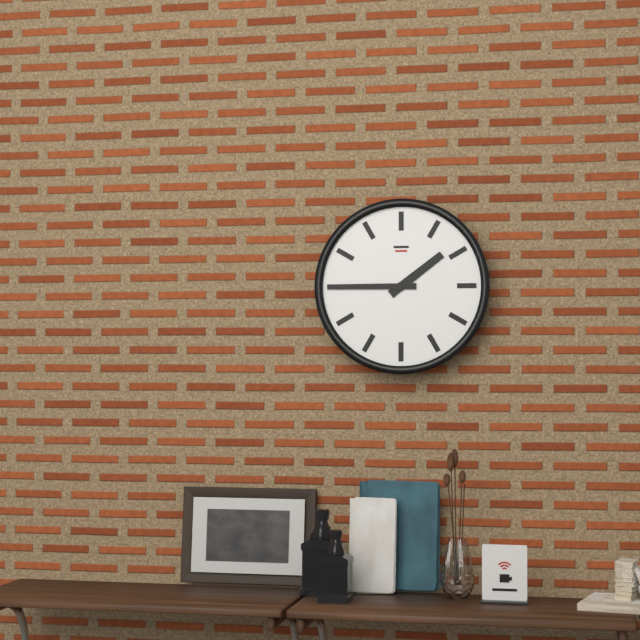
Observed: 1:45
